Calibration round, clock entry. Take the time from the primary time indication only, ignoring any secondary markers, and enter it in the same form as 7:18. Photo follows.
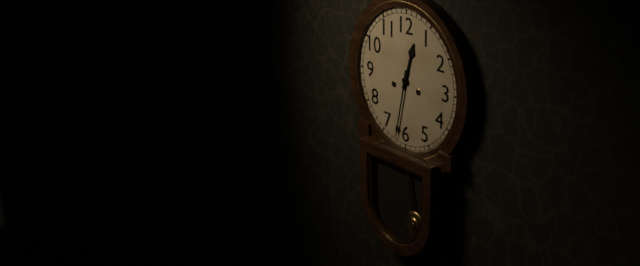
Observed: 12:32
